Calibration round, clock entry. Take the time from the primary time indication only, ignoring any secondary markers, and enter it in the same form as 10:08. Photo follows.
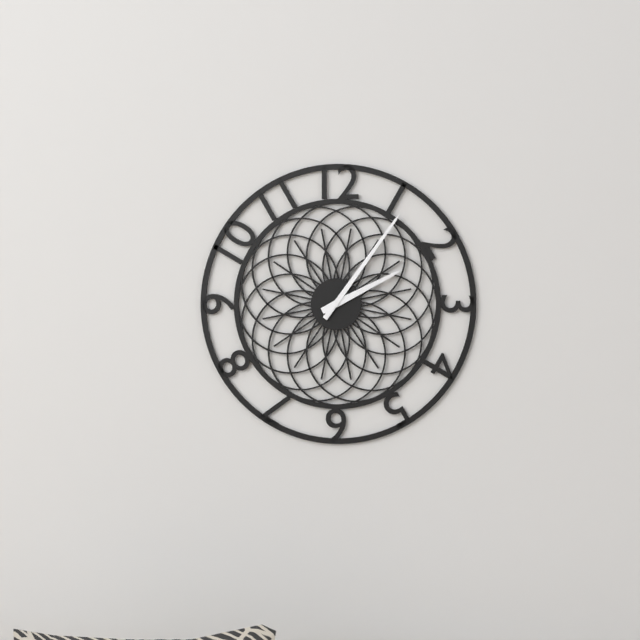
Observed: 2:06
